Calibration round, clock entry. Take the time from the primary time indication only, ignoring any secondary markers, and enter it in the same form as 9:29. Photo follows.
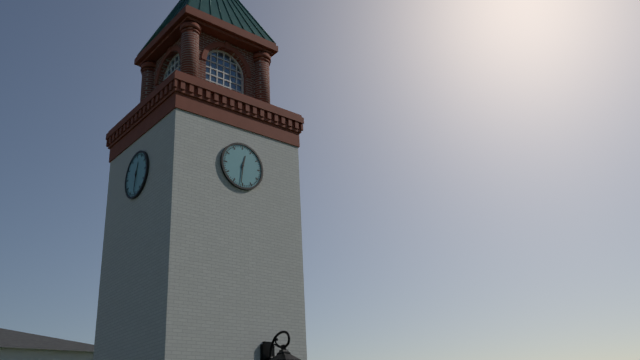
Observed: 12:31
